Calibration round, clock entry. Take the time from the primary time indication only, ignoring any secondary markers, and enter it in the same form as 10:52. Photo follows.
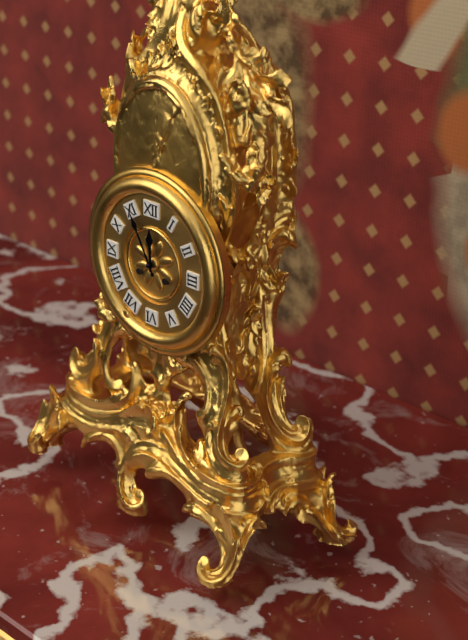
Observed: 11:55
